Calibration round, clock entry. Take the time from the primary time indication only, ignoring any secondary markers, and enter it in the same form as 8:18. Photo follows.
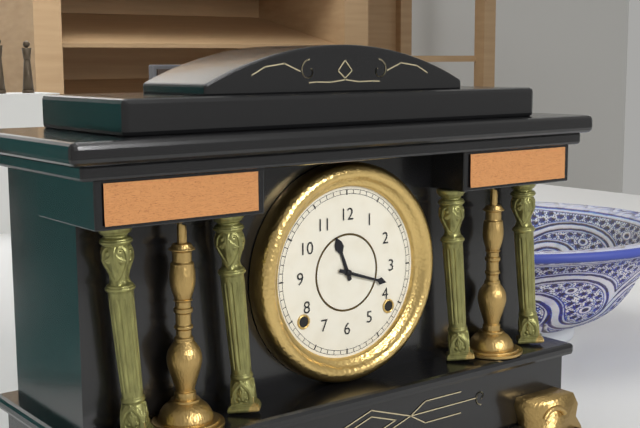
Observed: 11:18
